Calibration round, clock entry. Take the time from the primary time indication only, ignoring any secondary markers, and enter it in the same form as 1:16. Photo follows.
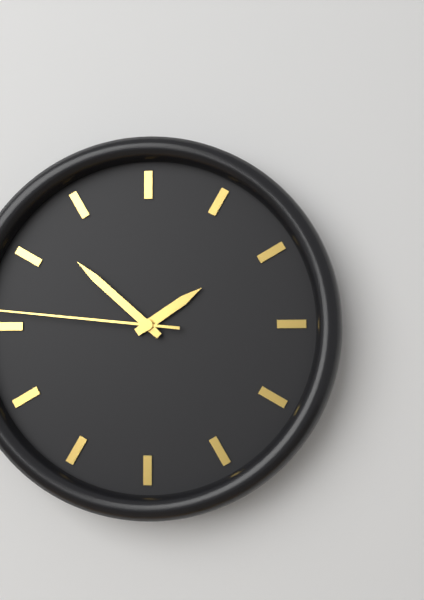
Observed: 1:52
